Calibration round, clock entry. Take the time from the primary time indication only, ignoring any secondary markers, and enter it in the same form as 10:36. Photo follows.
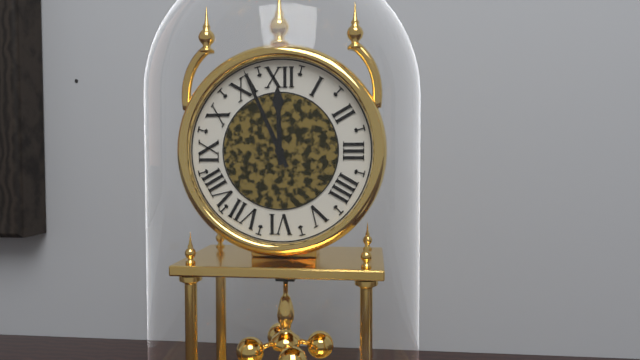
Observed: 11:56
